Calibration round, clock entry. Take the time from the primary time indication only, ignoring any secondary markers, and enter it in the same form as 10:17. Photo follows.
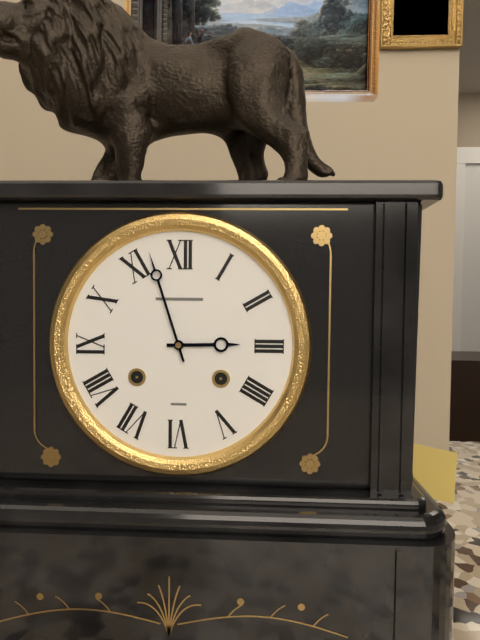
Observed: 2:57
